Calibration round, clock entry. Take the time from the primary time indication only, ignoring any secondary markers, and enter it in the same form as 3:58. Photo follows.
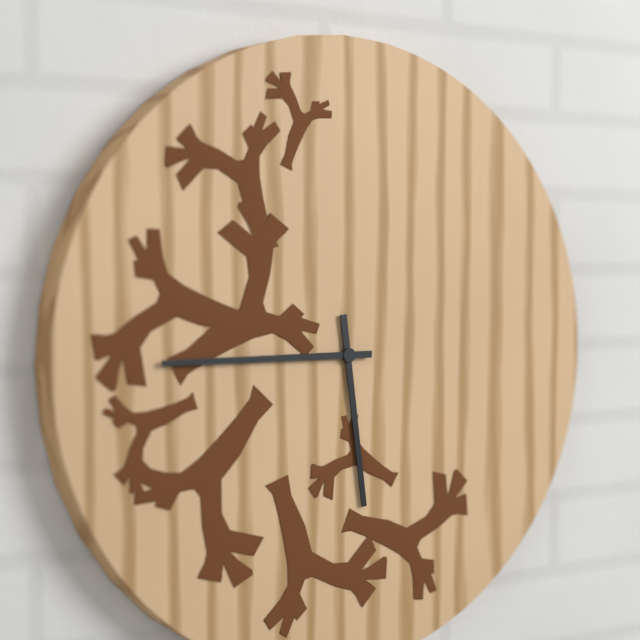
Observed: 5:45
